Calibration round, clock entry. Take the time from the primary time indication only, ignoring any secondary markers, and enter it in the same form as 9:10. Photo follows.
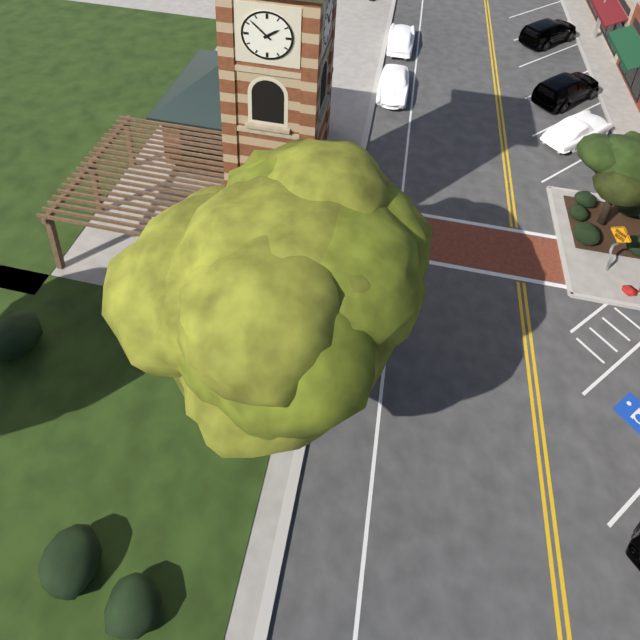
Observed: 1:52
